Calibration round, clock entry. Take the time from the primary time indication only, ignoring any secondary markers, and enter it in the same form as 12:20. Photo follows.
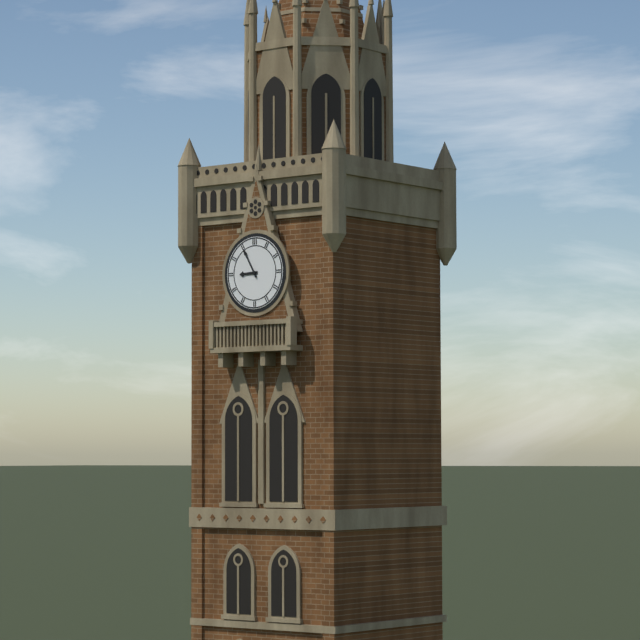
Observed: 8:55
